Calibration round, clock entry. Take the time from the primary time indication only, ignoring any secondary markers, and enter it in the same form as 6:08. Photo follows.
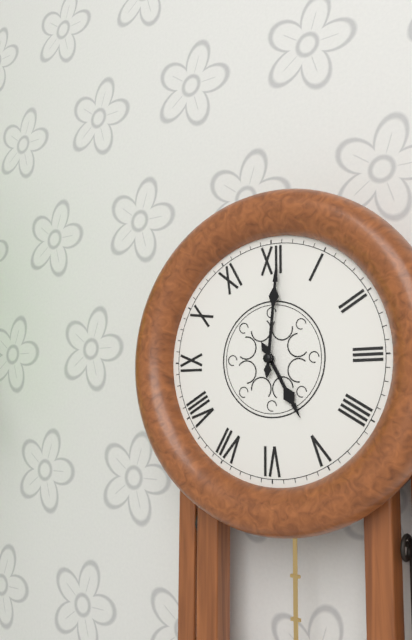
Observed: 5:01
